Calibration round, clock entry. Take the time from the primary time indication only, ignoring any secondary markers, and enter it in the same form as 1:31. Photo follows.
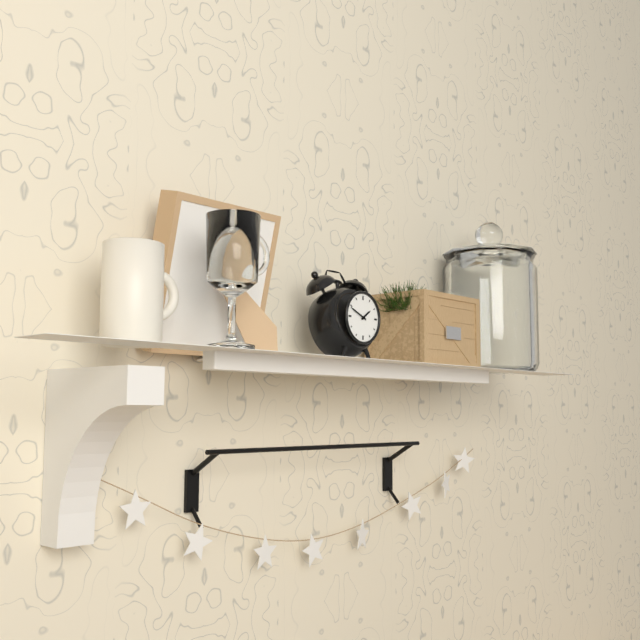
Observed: 1:49
